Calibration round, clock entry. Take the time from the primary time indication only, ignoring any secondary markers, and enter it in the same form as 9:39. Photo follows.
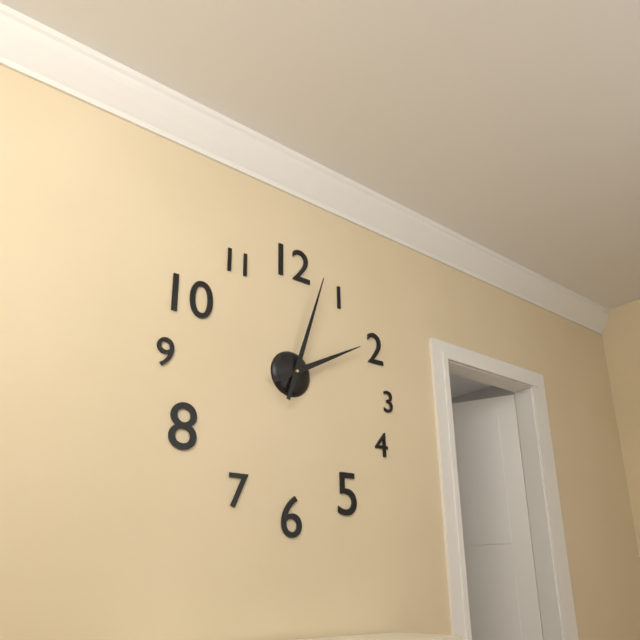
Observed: 2:03
